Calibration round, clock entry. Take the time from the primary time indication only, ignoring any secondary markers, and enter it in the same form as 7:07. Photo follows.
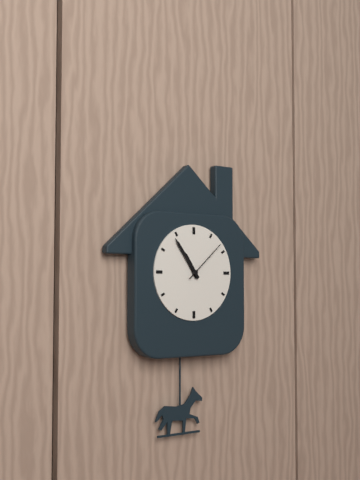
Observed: 10:54
